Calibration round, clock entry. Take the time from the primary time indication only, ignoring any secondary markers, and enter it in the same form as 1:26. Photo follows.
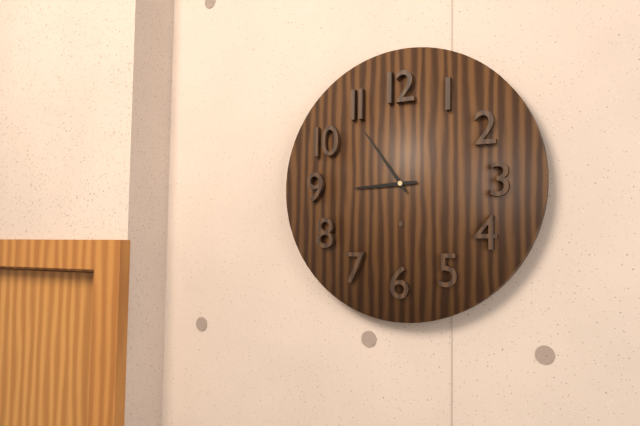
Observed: 8:54
